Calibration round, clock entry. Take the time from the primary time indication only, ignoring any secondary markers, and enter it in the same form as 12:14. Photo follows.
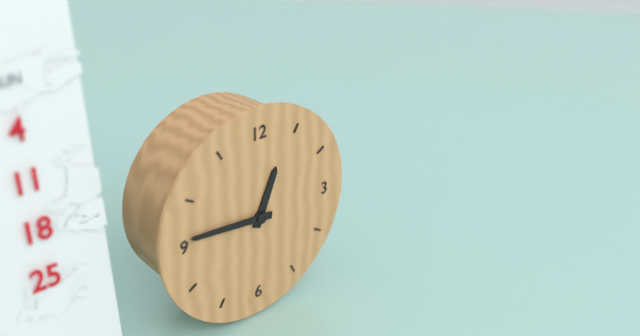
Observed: 12:46
